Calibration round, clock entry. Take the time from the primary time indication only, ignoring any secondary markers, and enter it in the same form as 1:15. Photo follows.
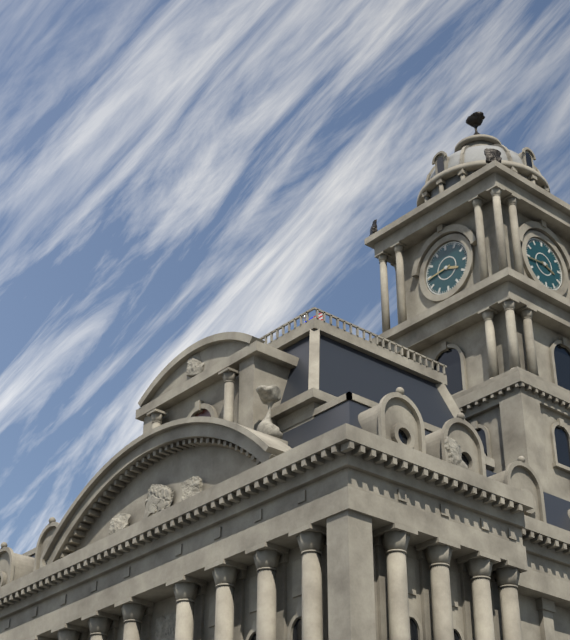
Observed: 3:44
